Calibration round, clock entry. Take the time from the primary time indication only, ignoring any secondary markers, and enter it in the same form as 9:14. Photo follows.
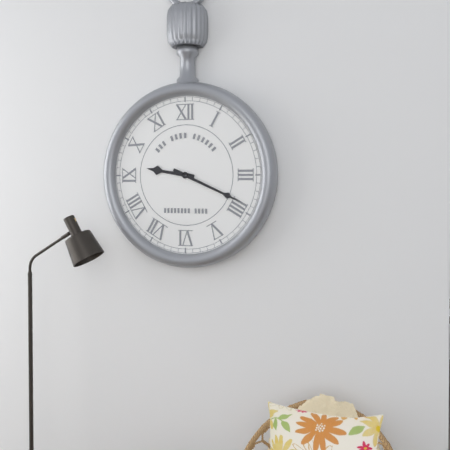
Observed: 9:19
